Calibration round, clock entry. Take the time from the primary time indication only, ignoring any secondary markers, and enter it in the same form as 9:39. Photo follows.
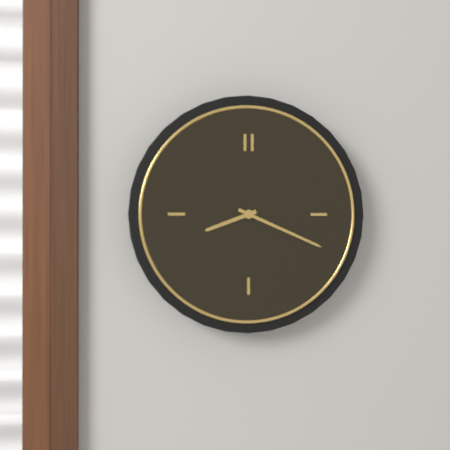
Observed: 8:19
